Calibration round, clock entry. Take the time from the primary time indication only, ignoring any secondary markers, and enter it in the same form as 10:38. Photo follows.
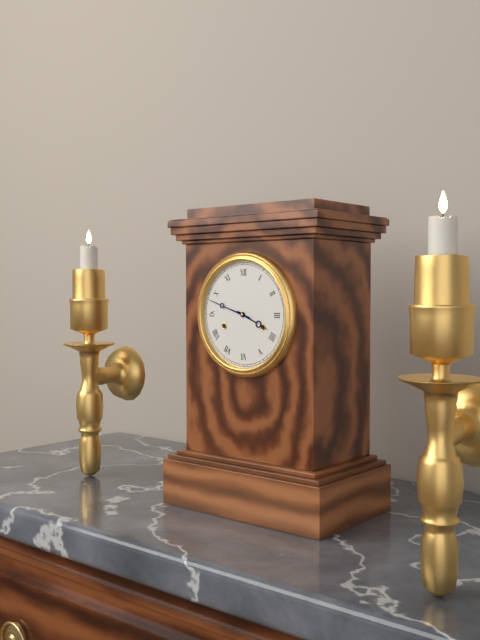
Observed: 3:48
